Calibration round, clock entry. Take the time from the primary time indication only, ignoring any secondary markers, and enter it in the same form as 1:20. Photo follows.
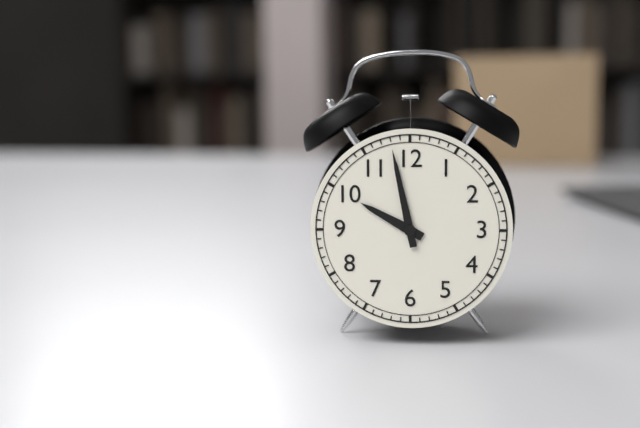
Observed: 9:58
